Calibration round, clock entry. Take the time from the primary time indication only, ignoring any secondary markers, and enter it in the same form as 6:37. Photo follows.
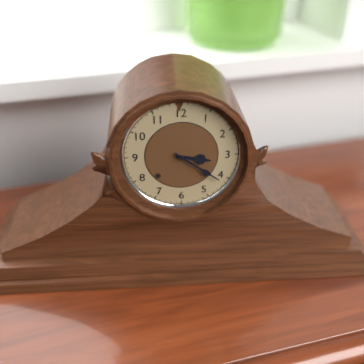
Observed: 3:21
